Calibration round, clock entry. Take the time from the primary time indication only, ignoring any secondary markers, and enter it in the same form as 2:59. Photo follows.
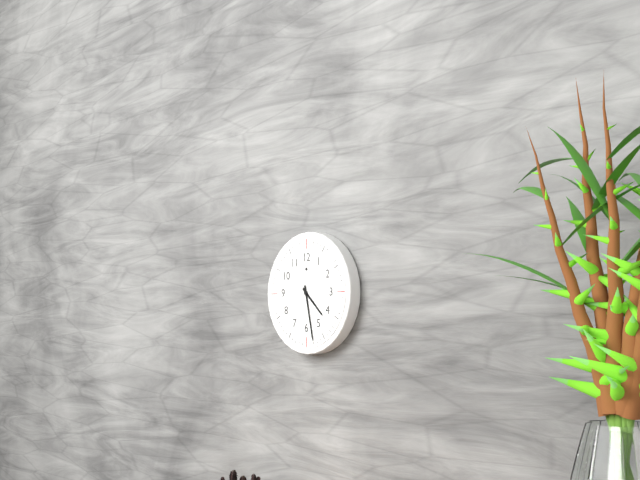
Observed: 4:28
